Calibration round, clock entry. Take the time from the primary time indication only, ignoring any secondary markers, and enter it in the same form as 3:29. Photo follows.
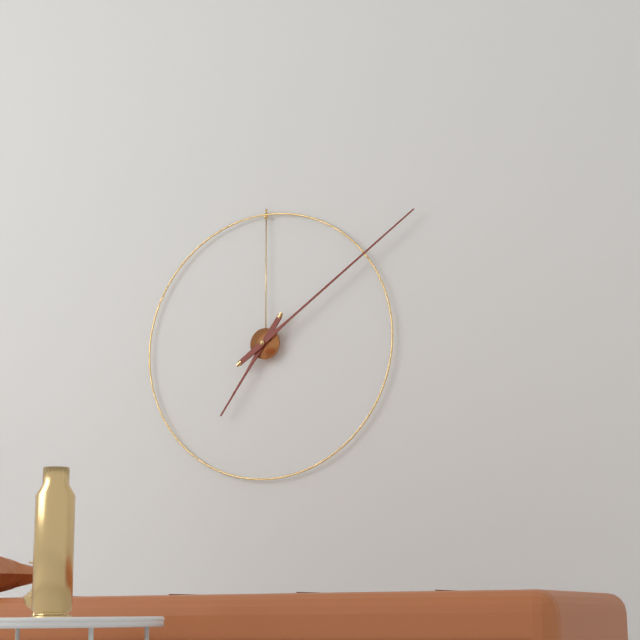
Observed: 7:09
